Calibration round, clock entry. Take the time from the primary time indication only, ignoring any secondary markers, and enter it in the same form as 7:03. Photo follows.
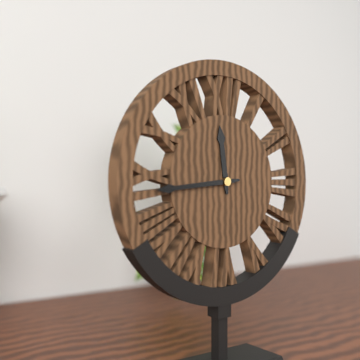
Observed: 11:44
